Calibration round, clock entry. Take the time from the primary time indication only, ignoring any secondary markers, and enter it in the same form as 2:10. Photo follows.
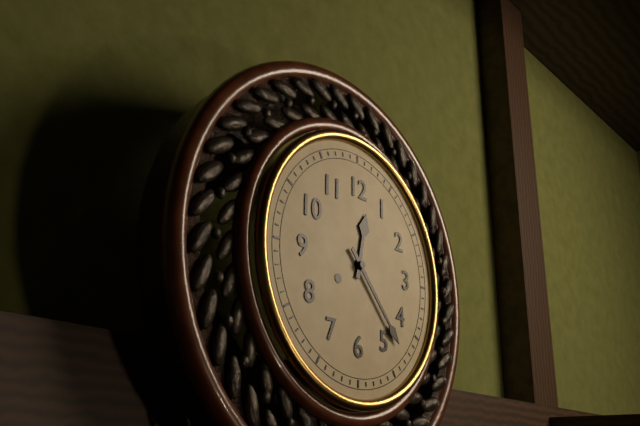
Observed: 12:23
